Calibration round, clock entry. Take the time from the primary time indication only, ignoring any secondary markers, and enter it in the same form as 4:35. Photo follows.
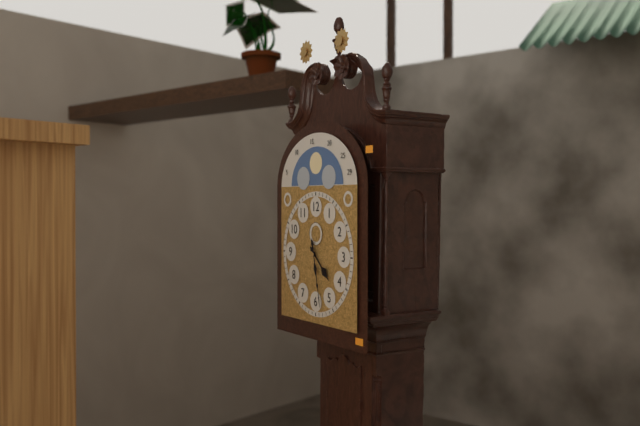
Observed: 4:28
